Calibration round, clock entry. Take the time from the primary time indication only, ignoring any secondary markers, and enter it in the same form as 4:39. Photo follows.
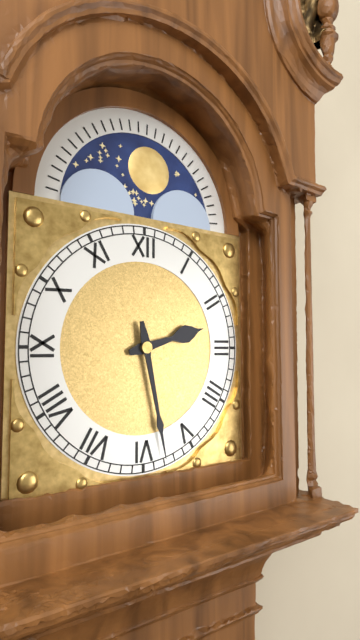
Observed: 2:28
